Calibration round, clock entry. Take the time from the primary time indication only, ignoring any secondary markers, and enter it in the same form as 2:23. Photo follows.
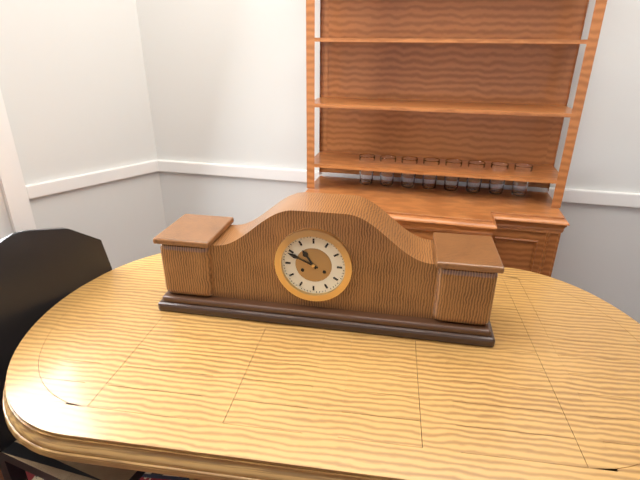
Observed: 10:49
